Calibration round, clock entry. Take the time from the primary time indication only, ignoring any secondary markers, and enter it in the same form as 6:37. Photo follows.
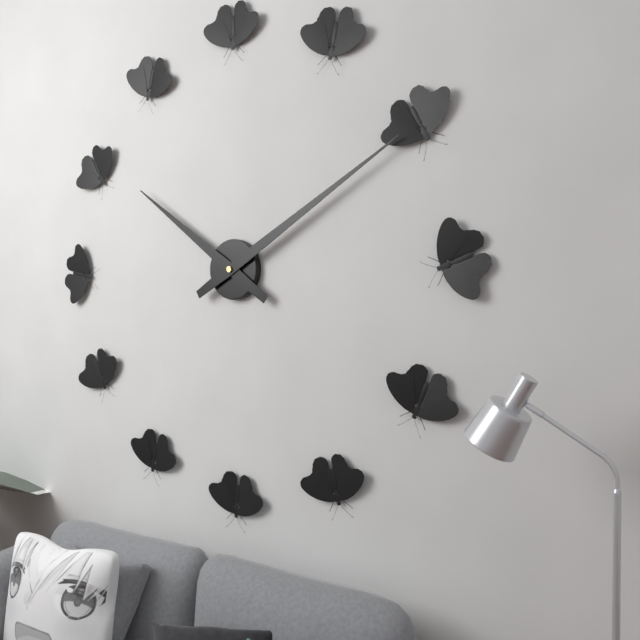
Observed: 10:10
